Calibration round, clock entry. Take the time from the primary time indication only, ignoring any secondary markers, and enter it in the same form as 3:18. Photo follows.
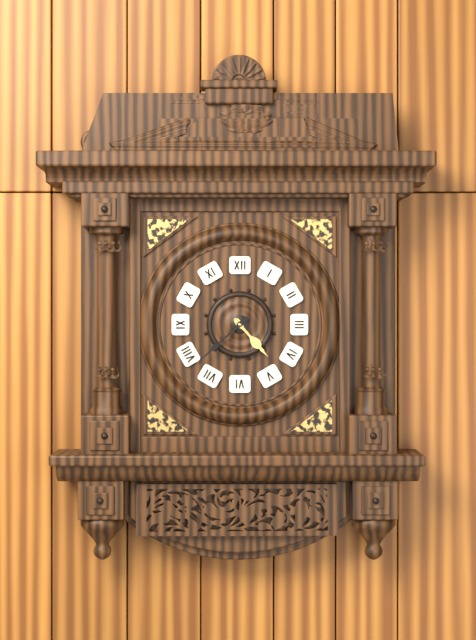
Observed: 4:38
